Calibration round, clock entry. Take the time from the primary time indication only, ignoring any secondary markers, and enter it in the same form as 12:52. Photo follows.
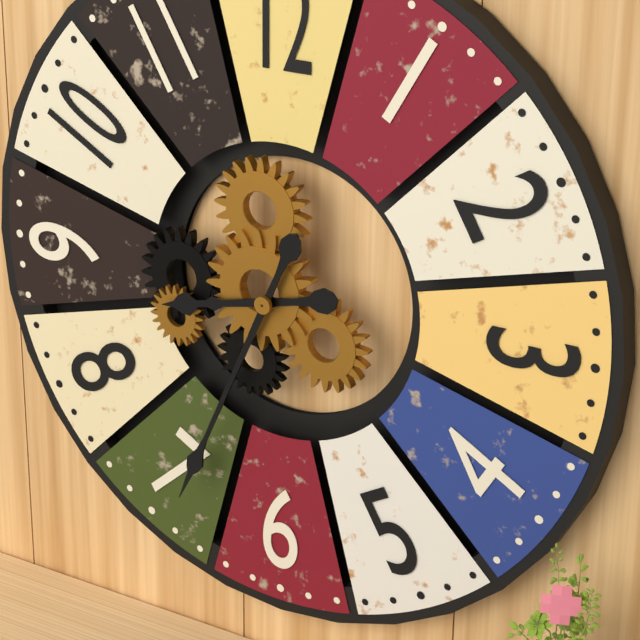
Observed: 8:34
